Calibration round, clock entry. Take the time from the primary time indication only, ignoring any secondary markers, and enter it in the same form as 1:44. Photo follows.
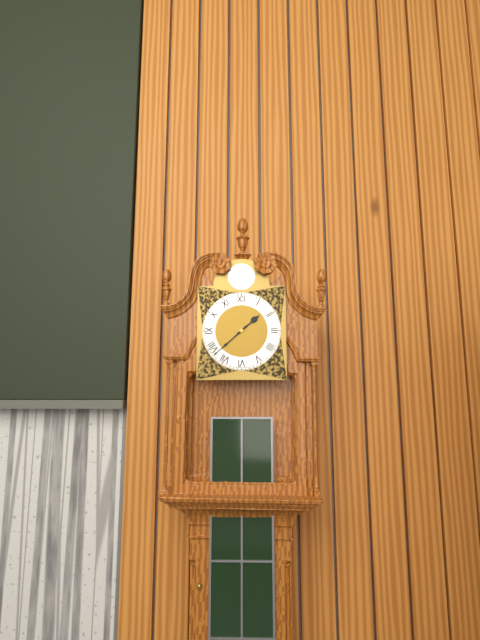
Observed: 1:38
